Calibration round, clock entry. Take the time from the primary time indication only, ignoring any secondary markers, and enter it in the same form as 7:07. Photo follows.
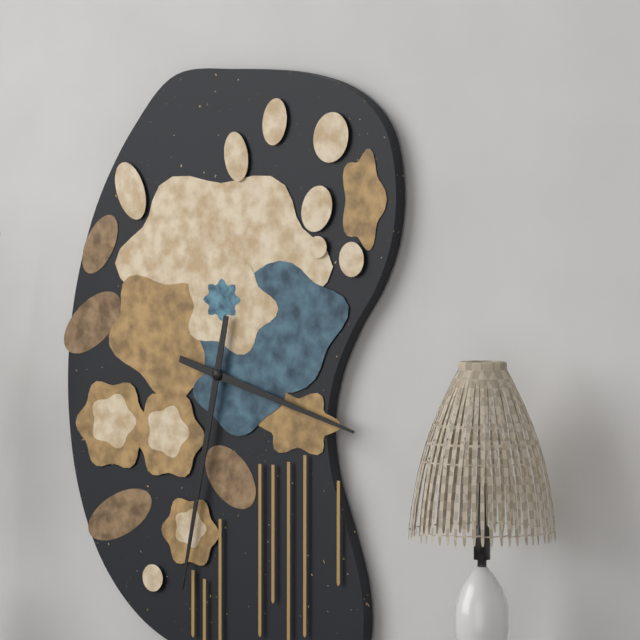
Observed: 3:32
